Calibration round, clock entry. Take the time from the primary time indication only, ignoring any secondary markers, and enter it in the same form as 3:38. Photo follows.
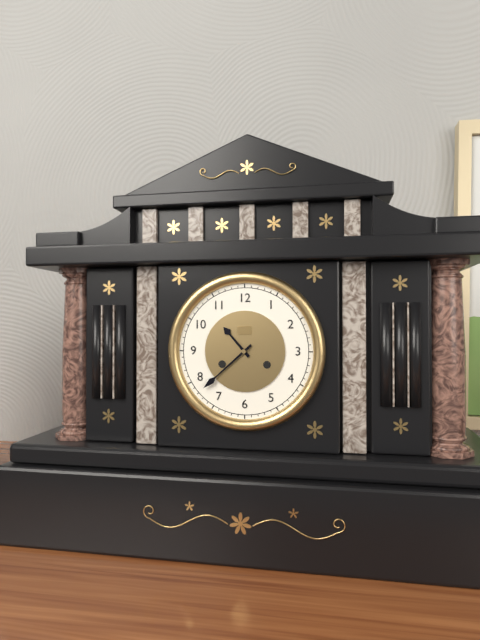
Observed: 10:38
